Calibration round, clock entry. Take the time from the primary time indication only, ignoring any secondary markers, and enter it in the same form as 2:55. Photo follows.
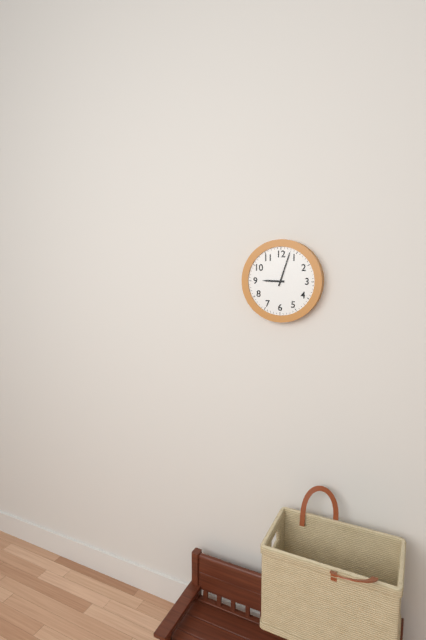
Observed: 9:03
